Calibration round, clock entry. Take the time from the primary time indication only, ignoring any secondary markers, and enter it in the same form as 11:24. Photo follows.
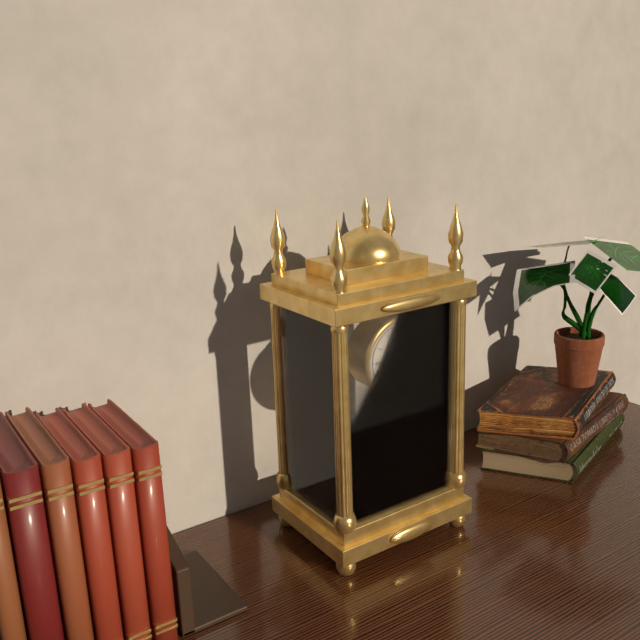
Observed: 8:28
